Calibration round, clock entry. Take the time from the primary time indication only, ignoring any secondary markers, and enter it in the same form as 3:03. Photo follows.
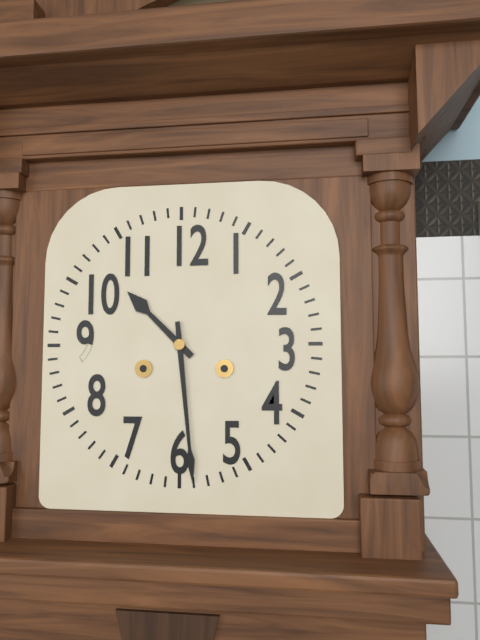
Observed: 10:29
